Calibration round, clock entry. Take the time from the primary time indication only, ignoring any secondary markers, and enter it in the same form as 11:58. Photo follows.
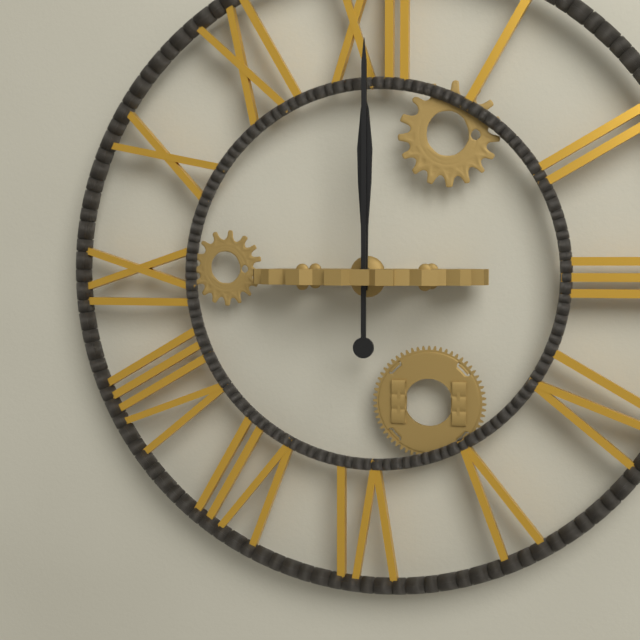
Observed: 12:00
